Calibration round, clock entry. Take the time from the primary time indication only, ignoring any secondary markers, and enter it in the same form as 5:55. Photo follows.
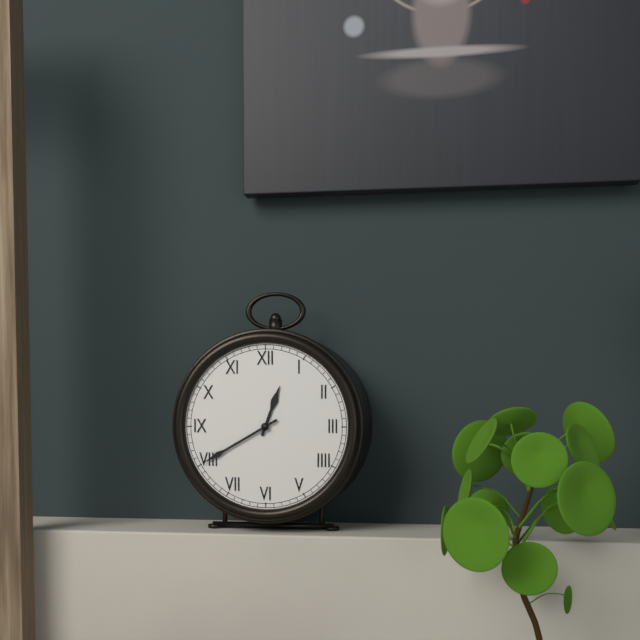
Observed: 12:40
